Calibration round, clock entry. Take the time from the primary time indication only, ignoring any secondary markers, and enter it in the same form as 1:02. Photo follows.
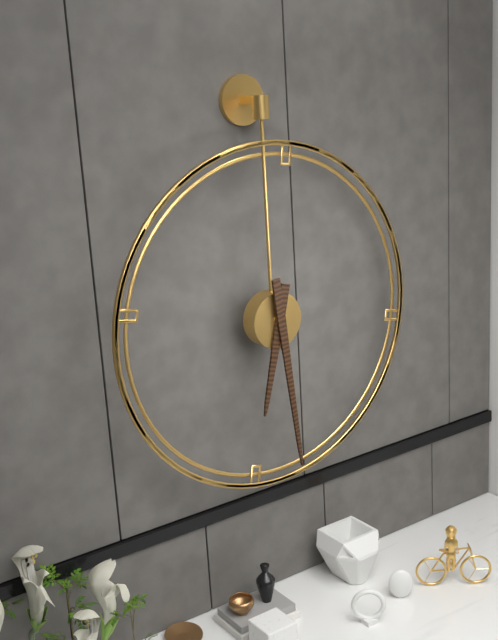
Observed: 6:29
